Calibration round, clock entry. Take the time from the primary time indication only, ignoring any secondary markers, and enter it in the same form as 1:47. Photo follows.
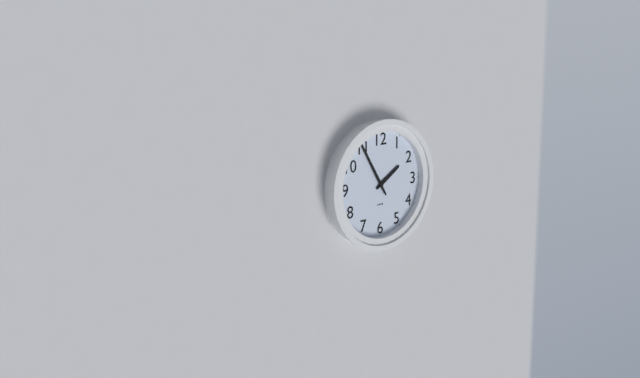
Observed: 1:55
